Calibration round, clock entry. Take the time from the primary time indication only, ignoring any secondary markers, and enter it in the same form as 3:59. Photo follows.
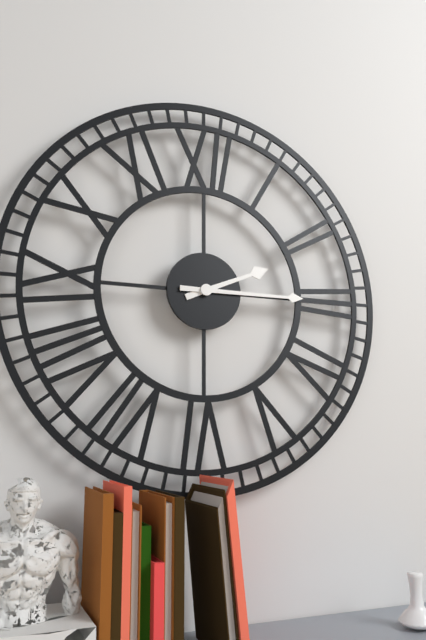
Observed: 2:15
